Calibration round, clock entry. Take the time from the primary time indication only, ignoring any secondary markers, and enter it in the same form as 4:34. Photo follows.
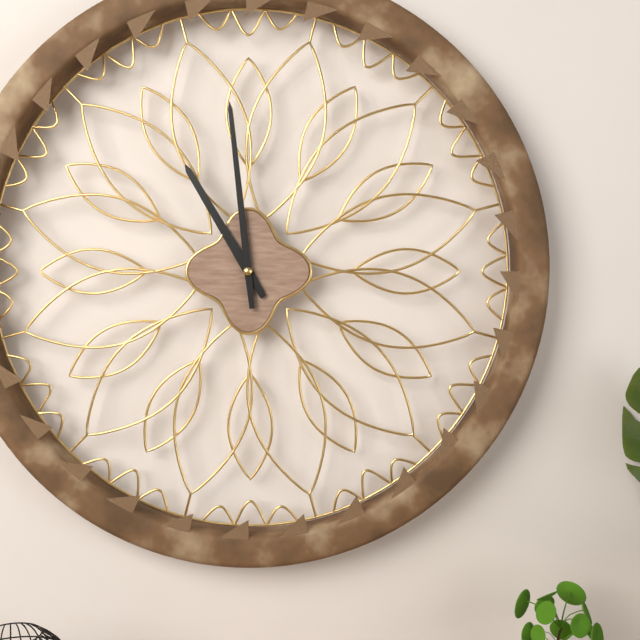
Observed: 10:59
